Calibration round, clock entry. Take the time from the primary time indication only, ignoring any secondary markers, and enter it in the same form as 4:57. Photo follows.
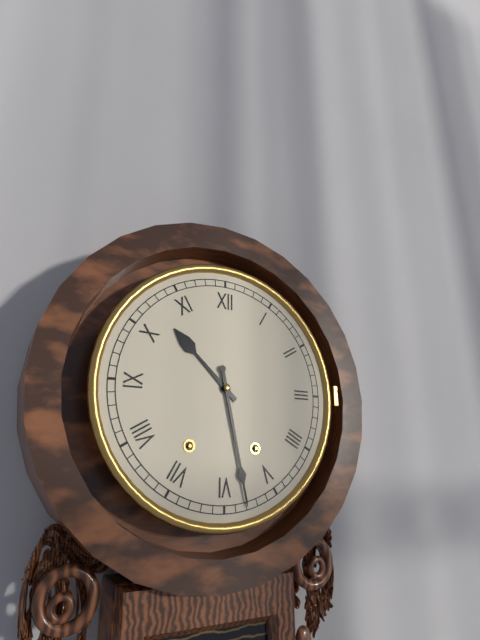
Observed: 10:28
